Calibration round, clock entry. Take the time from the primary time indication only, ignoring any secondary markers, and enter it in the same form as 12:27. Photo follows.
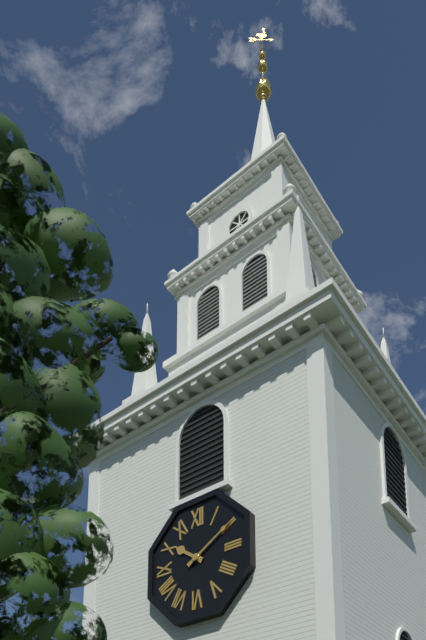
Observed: 10:10
